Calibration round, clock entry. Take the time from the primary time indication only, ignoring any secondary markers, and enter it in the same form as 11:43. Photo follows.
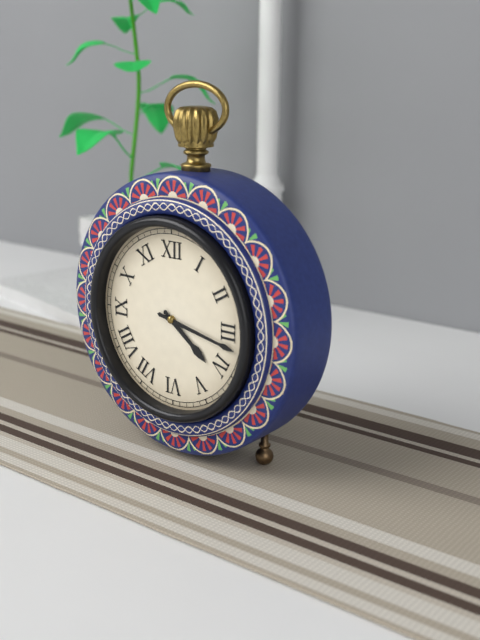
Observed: 4:17
